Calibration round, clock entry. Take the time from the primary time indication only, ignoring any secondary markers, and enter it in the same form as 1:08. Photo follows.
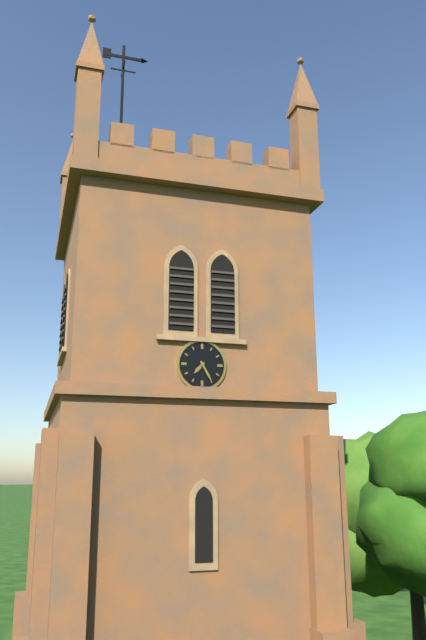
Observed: 7:25
